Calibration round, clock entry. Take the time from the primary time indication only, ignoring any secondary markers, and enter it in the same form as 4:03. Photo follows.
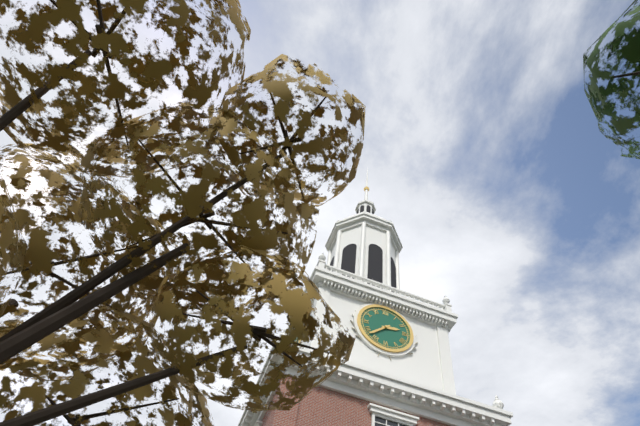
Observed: 2:38
